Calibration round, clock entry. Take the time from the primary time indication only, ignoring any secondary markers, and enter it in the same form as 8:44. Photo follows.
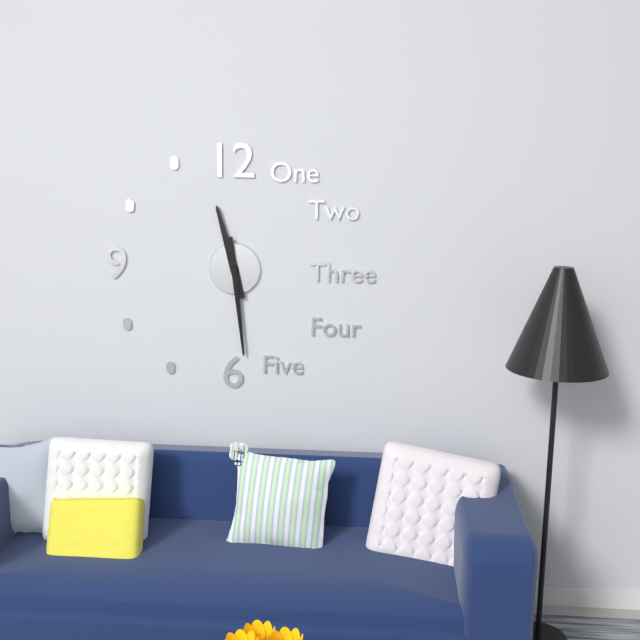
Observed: 11:29
